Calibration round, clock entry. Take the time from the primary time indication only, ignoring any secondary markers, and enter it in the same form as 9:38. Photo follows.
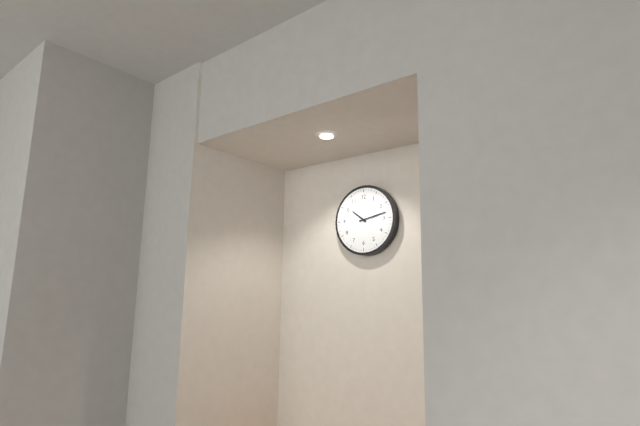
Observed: 10:13
